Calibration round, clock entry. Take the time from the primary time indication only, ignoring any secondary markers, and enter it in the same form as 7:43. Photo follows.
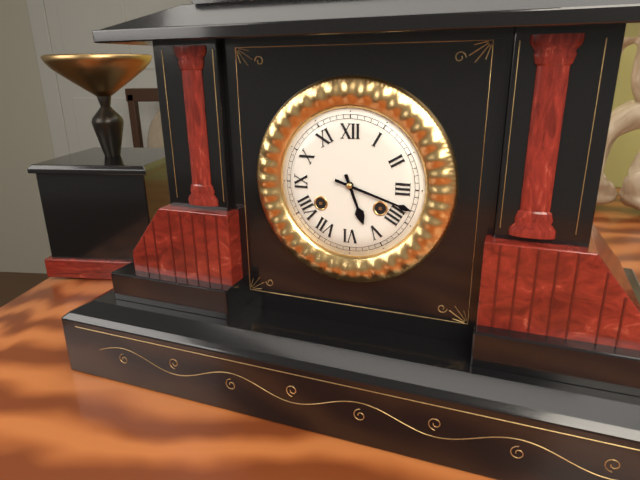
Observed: 5:18
